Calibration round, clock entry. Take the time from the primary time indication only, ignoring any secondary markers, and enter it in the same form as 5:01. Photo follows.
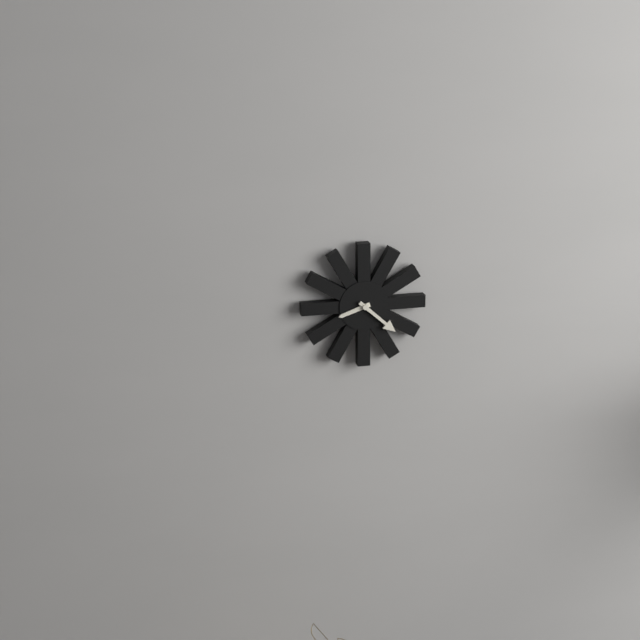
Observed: 8:22
